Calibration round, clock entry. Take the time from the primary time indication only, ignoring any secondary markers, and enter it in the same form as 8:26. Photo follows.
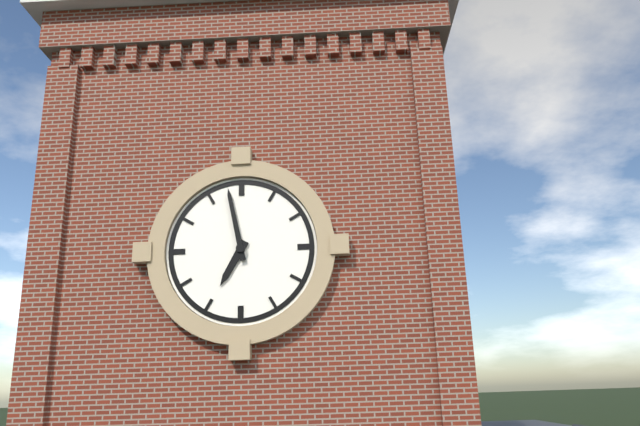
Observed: 6:58
